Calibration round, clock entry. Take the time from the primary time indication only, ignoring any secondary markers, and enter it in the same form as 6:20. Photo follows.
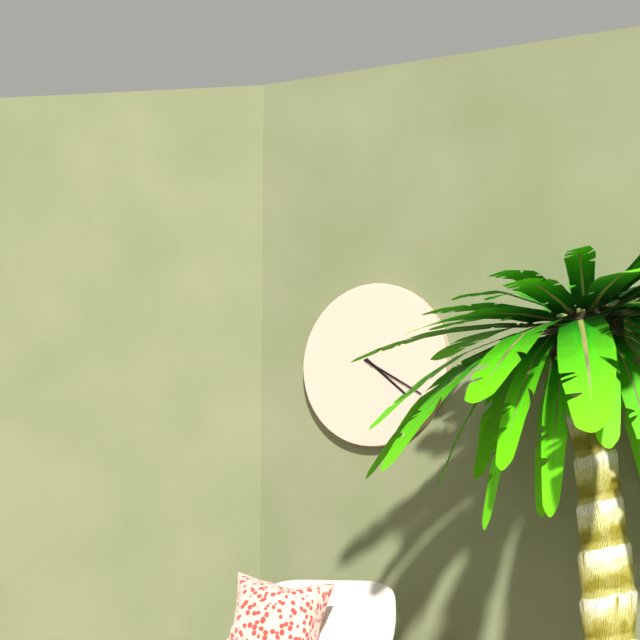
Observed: 4:20
